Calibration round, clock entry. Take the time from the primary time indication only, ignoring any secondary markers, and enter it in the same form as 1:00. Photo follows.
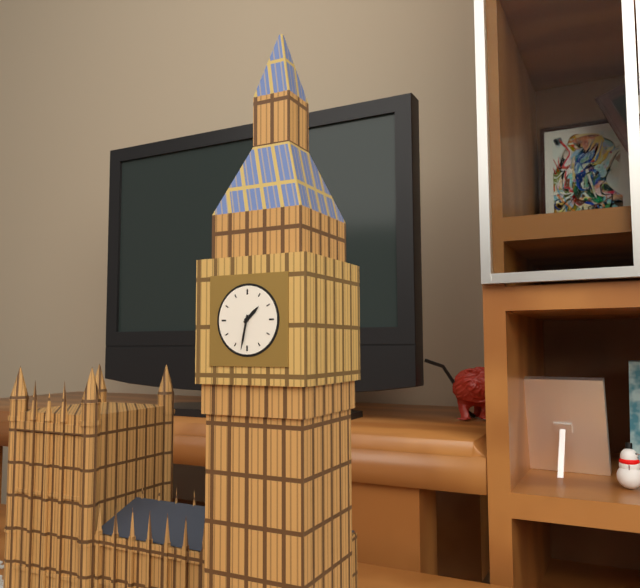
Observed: 1:32
